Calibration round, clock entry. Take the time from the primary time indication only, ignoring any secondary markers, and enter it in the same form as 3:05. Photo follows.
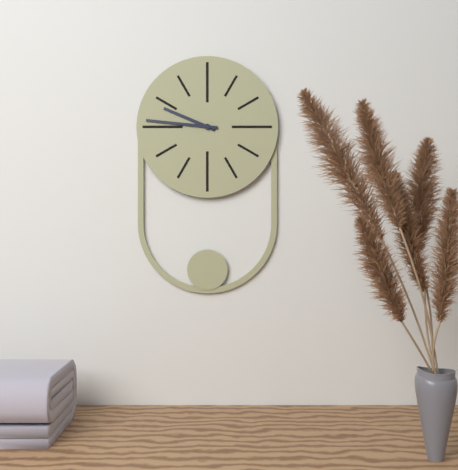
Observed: 9:46
